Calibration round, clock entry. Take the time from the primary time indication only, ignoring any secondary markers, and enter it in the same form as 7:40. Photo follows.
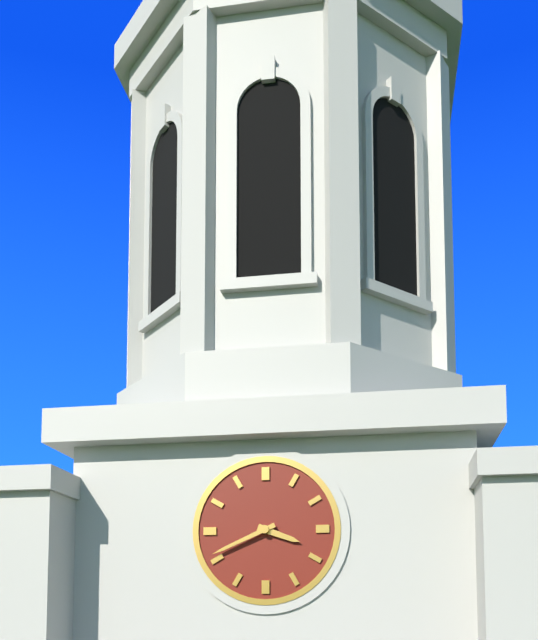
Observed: 3:41
